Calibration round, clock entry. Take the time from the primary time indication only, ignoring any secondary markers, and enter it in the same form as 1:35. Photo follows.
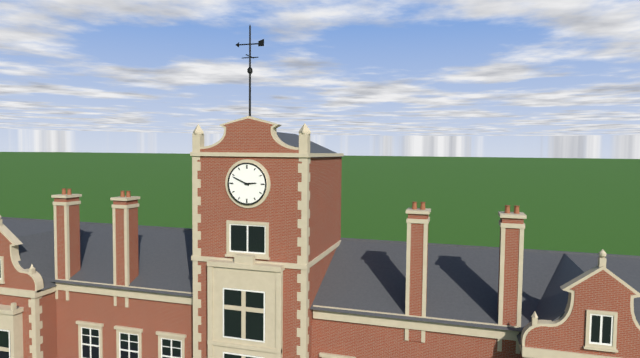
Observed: 2:49
